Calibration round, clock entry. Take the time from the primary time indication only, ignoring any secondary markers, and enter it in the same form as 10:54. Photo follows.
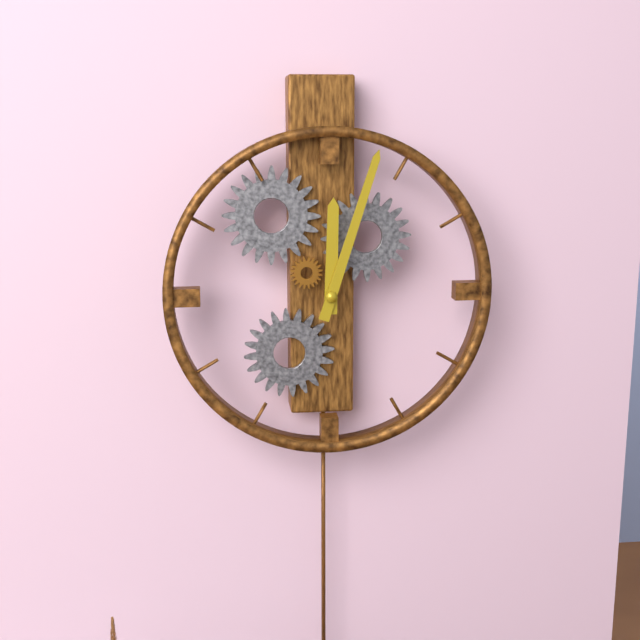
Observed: 12:03
